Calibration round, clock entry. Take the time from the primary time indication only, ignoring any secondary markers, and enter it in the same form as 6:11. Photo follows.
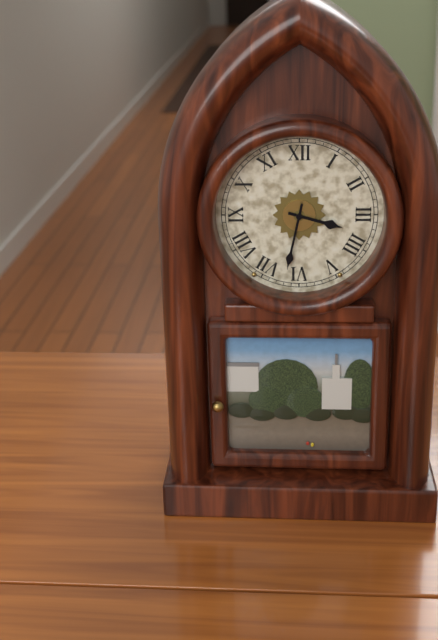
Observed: 3:32
